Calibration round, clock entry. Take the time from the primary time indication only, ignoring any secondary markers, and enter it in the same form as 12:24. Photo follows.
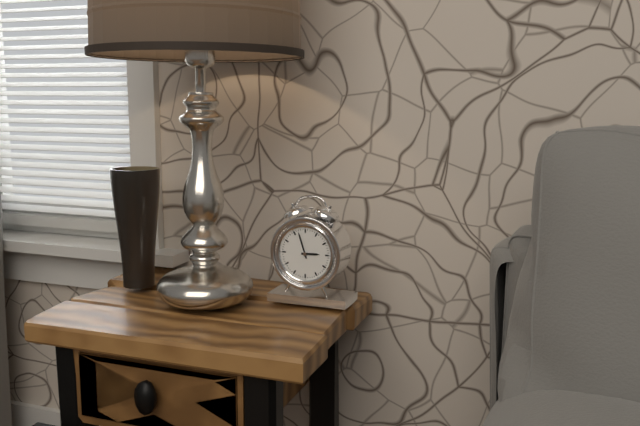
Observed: 2:57
